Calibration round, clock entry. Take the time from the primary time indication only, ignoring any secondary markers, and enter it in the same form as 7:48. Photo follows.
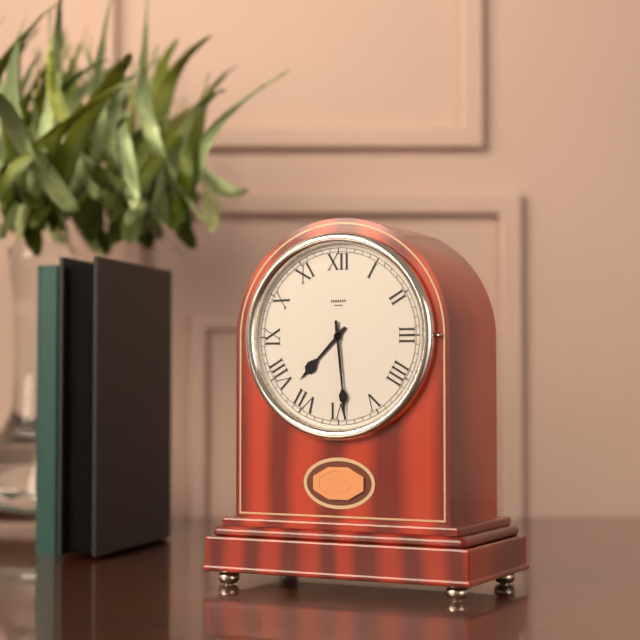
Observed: 7:29
